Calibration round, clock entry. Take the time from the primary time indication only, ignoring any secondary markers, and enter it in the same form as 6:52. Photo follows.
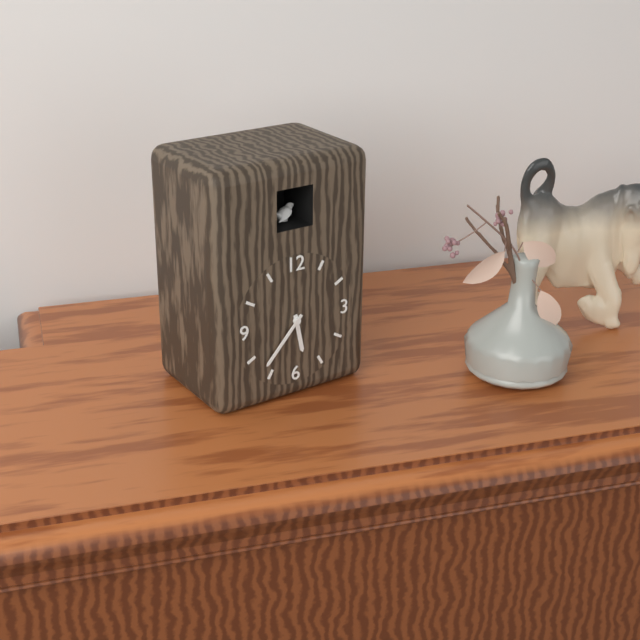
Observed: 5:37
